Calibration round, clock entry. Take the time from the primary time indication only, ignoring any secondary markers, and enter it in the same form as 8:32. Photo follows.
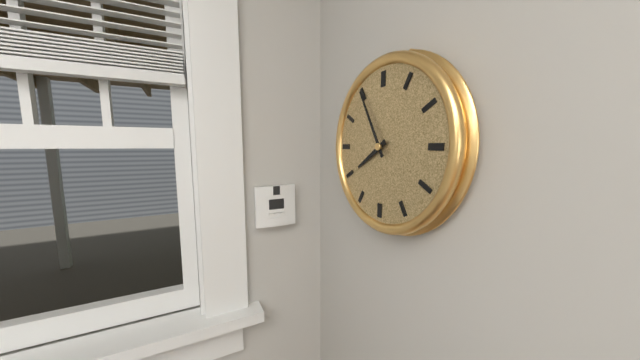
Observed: 7:55
